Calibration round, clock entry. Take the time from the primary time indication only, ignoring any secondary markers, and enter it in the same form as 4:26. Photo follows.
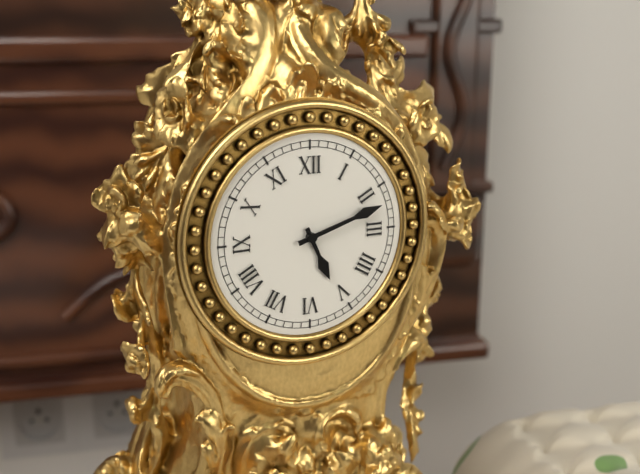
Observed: 5:12
